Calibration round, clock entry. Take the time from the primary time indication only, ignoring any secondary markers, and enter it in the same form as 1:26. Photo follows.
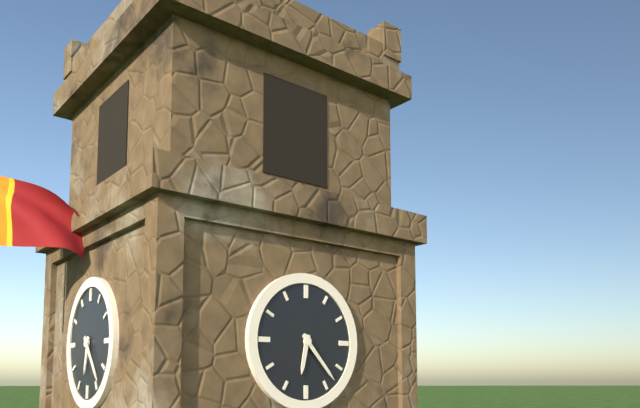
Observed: 6:23
